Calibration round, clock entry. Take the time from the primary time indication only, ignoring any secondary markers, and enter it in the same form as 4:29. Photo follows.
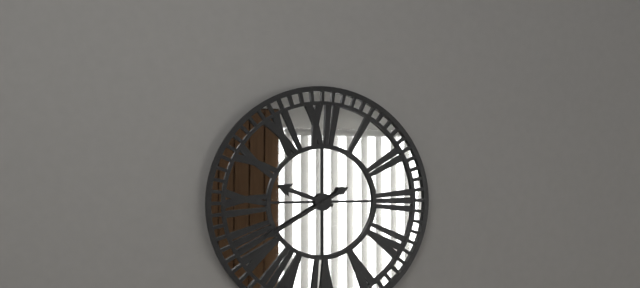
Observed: 9:40
